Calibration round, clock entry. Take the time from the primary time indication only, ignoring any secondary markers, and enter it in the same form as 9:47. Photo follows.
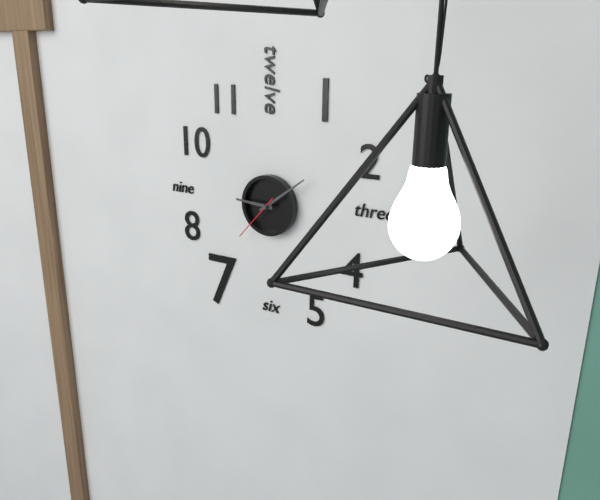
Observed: 9:09
